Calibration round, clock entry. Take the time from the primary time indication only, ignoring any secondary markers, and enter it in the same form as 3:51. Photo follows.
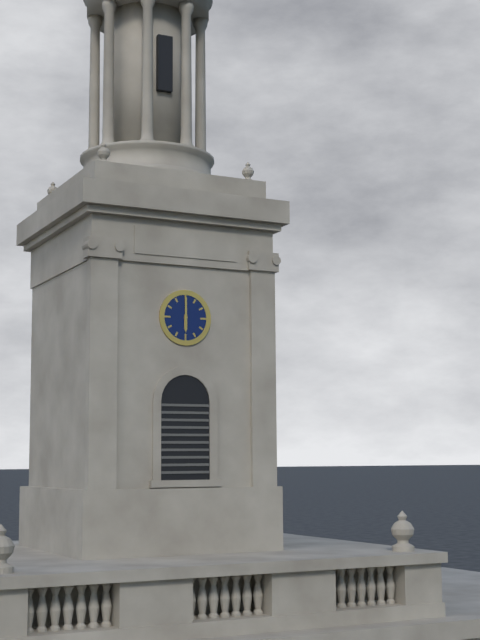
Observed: 6:00
